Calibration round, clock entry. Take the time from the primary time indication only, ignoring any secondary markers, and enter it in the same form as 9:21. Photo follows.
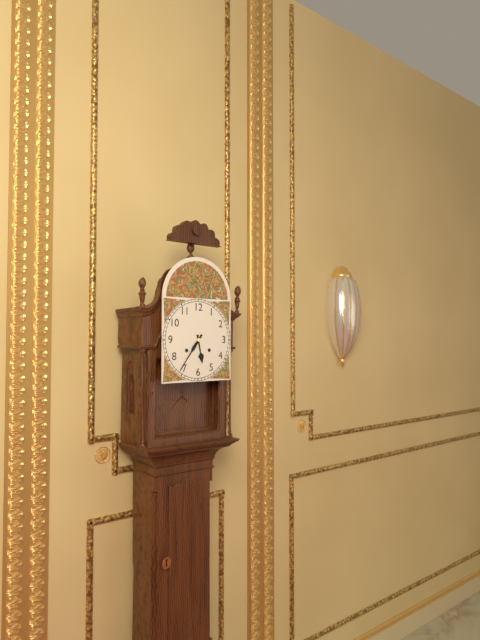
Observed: 5:36
